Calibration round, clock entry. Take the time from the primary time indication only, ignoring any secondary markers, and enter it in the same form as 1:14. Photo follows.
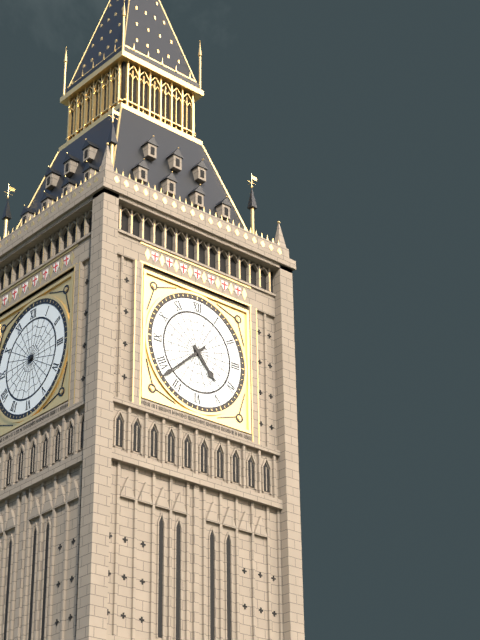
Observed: 4:38
